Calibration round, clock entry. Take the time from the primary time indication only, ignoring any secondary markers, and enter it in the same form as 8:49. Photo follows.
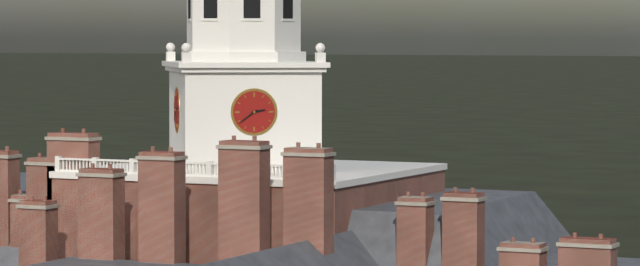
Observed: 2:39
